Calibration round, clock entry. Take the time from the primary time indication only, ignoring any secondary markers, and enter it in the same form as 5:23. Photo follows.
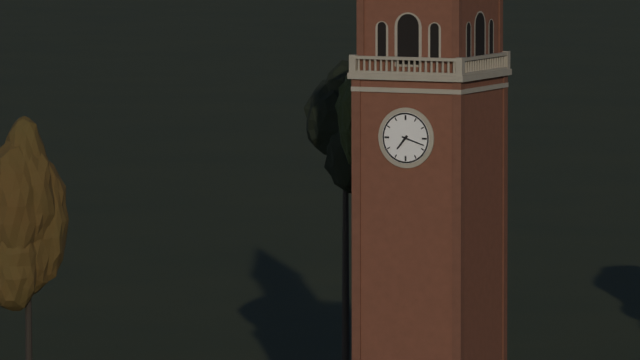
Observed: 7:18
